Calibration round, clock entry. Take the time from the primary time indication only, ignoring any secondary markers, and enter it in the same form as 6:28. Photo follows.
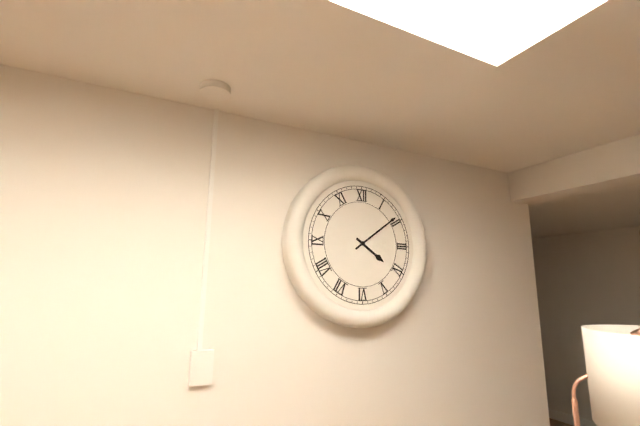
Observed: 4:09
